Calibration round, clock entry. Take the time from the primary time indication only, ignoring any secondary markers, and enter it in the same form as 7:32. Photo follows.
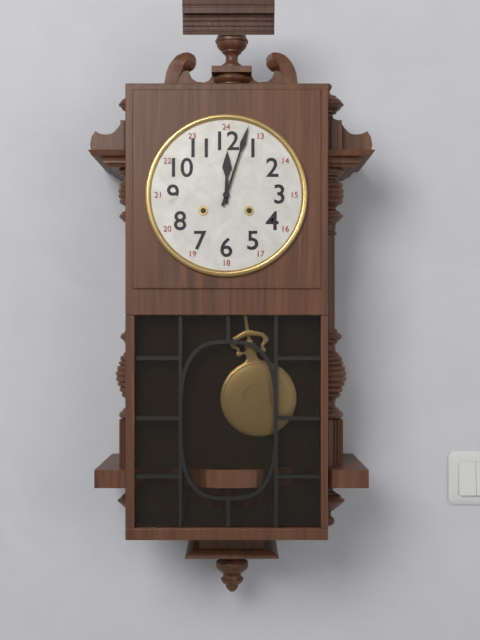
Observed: 12:03
